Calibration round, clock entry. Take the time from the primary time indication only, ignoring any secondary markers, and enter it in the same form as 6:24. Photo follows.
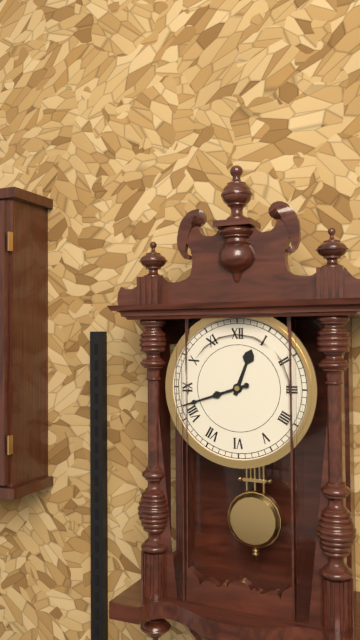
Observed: 12:42
